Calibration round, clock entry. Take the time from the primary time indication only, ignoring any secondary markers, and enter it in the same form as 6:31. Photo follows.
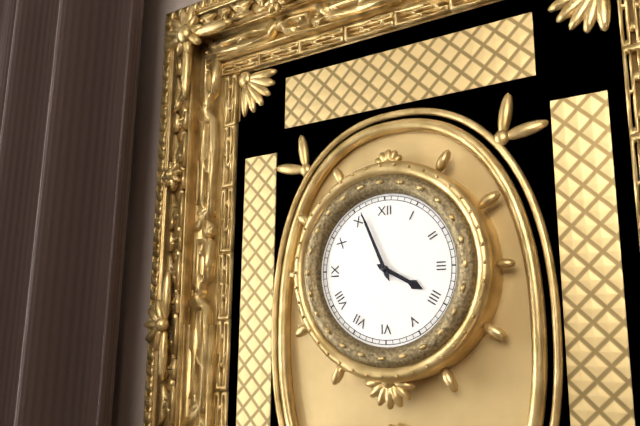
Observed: 3:56
